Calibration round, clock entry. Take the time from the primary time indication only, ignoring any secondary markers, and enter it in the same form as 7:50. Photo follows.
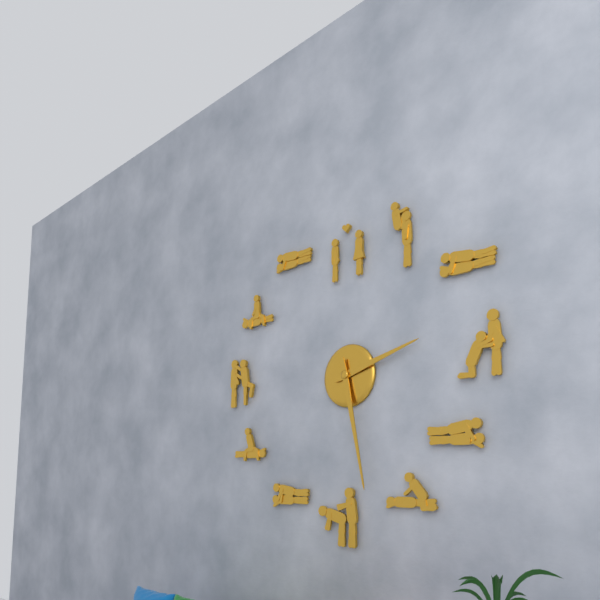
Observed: 2:28
